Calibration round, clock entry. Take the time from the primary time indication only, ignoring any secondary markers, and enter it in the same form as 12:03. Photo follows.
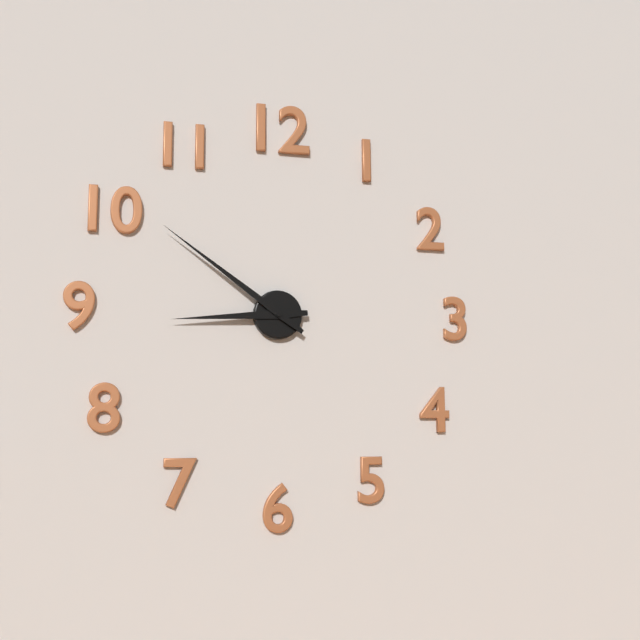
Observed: 8:51
